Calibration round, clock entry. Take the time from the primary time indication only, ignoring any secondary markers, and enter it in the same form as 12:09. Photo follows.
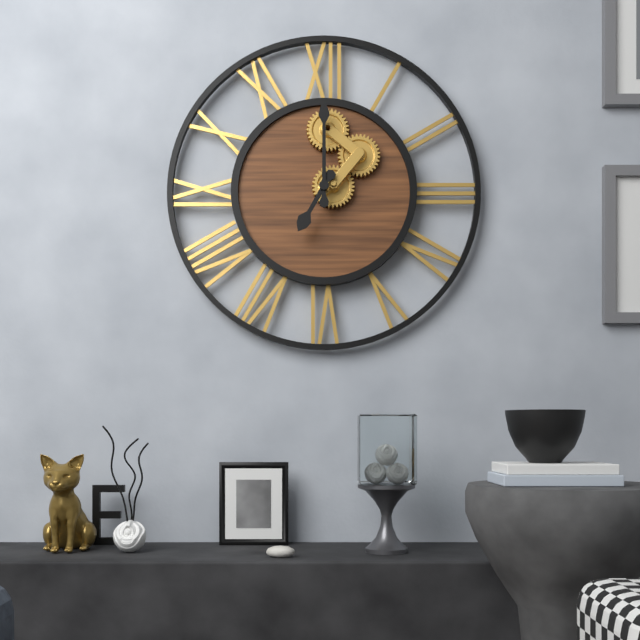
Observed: 7:00
